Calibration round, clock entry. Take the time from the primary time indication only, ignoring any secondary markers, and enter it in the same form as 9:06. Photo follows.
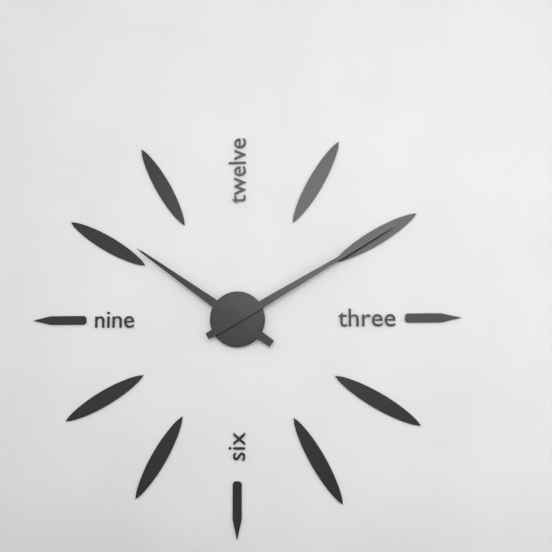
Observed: 10:10
